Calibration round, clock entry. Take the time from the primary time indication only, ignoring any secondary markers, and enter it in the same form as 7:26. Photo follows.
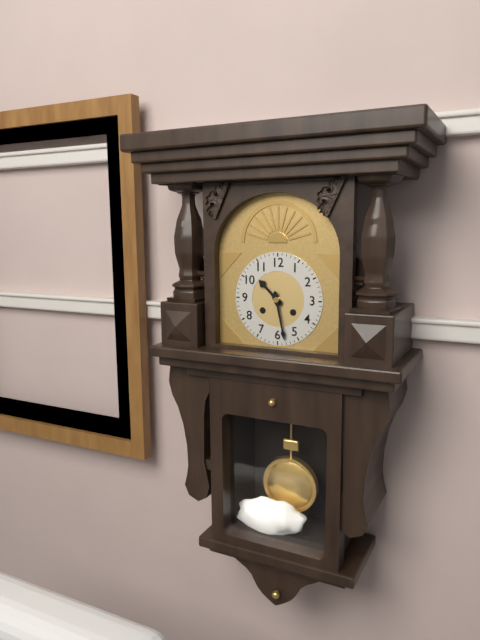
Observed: 10:28
